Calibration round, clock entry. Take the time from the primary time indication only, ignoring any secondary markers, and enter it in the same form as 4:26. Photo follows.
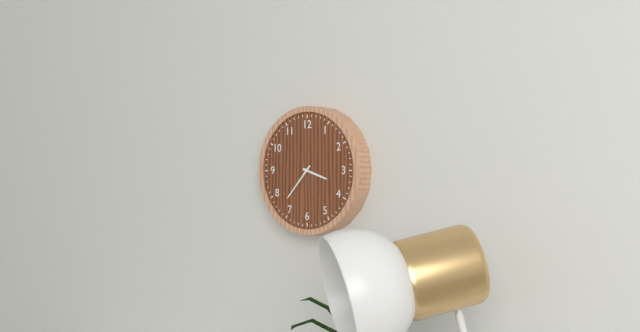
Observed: 3:37
